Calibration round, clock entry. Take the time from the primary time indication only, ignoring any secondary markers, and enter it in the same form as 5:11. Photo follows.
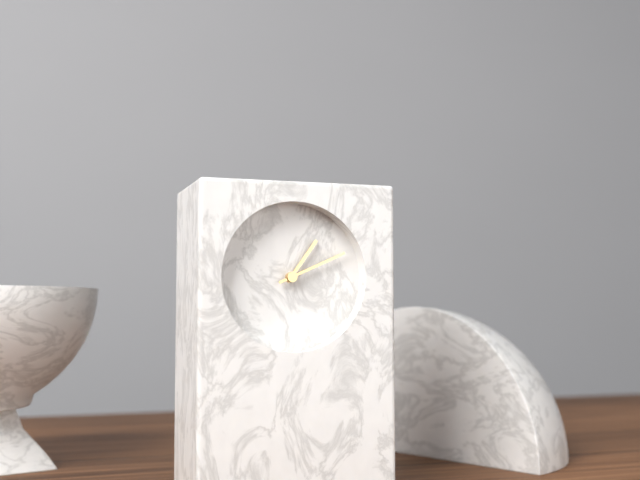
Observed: 1:11
